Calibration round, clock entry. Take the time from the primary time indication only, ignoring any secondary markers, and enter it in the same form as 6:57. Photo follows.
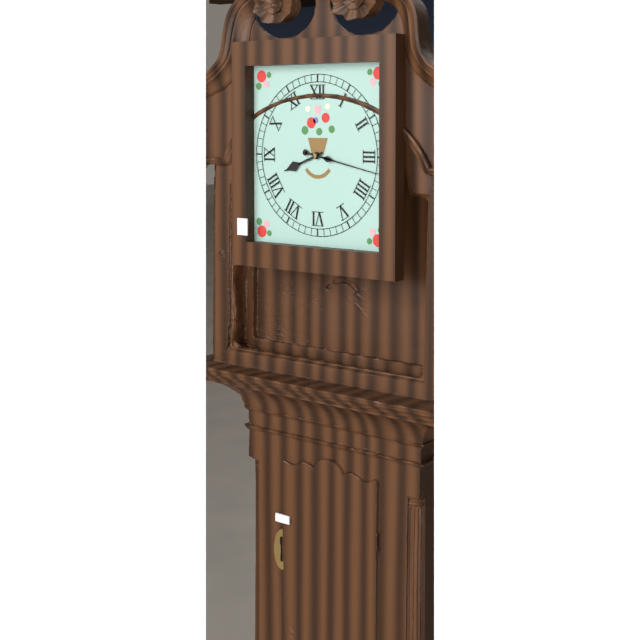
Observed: 8:17
